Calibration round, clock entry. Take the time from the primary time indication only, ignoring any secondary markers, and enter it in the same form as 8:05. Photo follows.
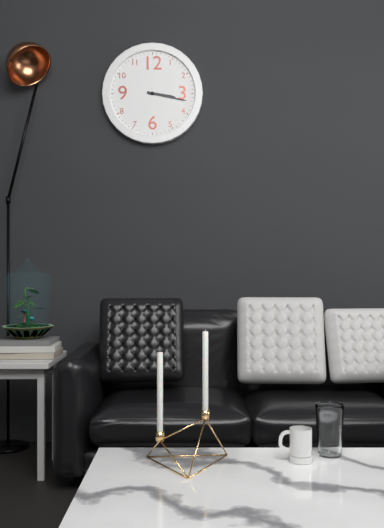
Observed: 3:17
